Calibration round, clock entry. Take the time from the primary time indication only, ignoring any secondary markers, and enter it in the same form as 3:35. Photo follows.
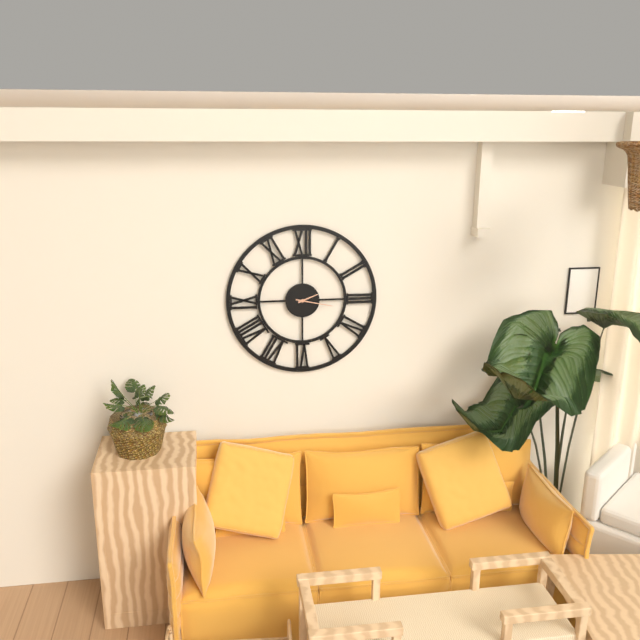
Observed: 2:17
